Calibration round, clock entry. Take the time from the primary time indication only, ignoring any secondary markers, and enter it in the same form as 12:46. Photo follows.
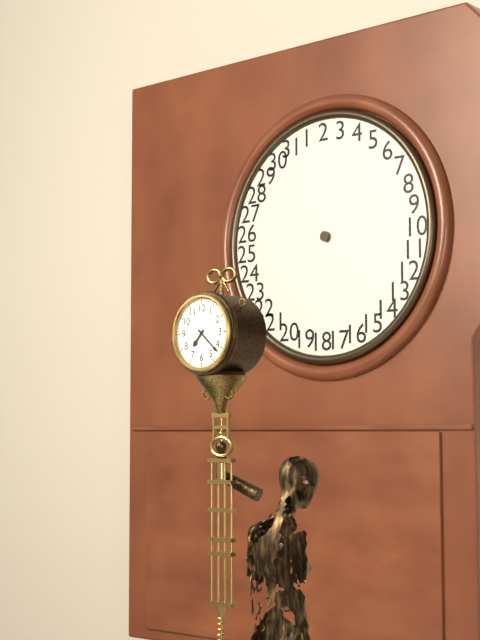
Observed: 7:22
